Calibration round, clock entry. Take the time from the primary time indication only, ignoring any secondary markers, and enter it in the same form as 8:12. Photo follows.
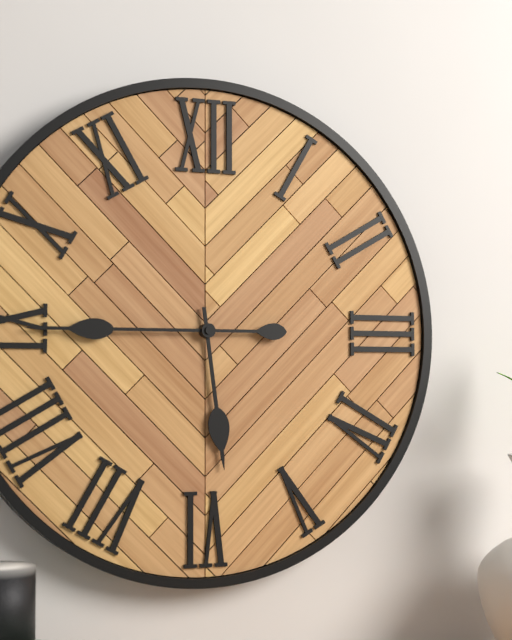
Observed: 5:45
